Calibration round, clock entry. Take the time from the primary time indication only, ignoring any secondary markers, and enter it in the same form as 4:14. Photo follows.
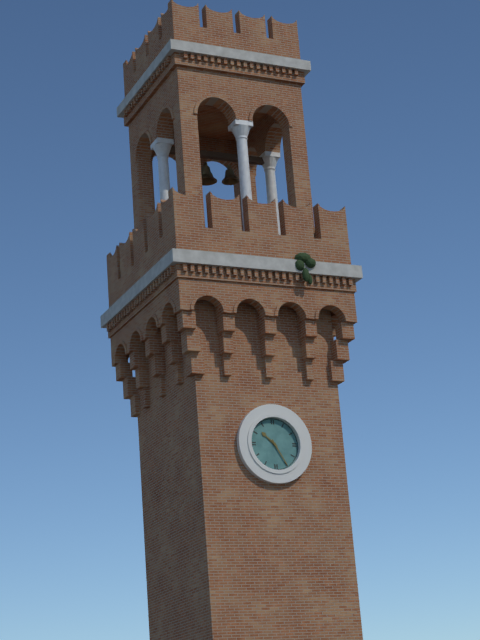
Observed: 10:25
